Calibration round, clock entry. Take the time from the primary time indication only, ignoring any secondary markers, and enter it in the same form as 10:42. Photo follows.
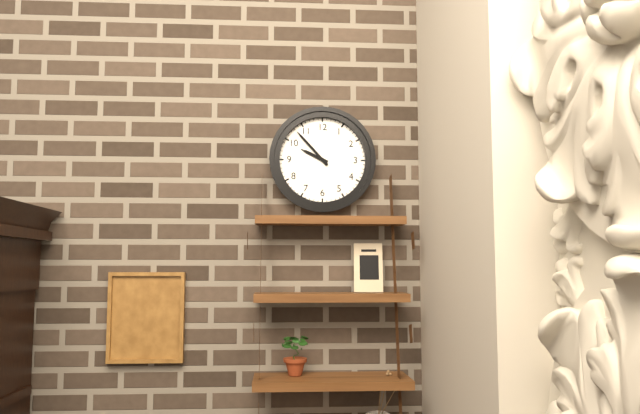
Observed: 9:53
